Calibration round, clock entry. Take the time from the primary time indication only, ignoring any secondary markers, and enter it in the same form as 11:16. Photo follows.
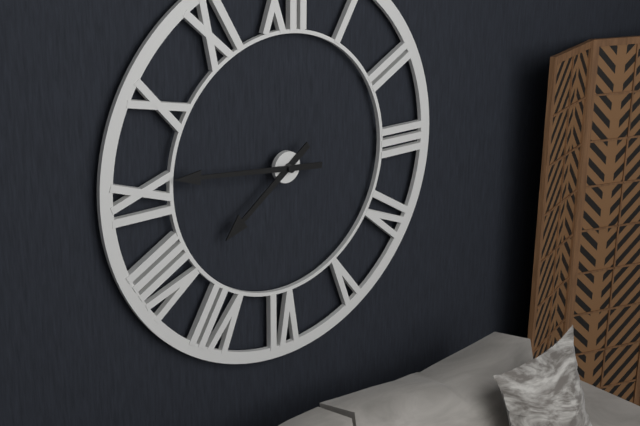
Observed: 7:46
